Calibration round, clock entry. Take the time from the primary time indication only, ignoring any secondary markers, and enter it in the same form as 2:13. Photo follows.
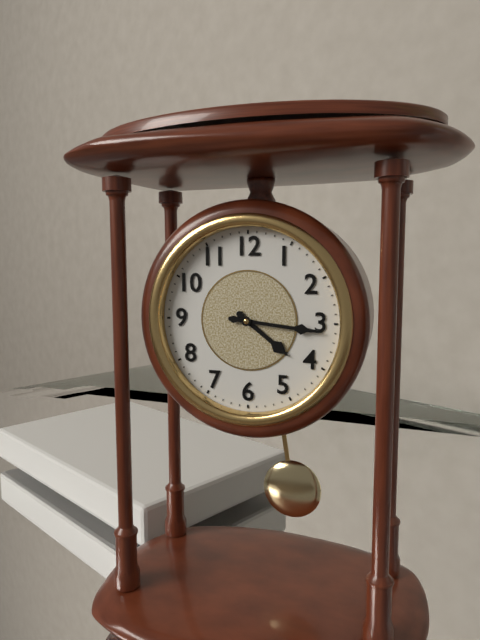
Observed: 4:16
